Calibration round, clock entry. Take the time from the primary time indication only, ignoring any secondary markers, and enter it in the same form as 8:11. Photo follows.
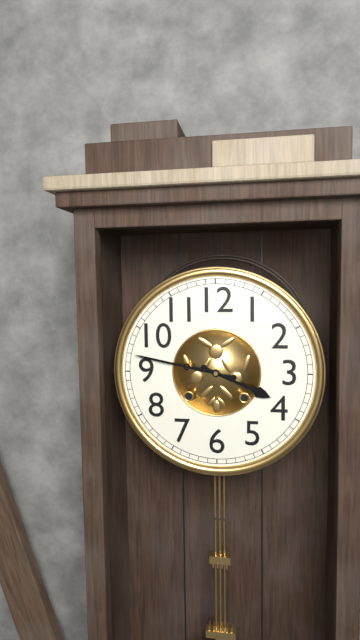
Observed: 3:47
